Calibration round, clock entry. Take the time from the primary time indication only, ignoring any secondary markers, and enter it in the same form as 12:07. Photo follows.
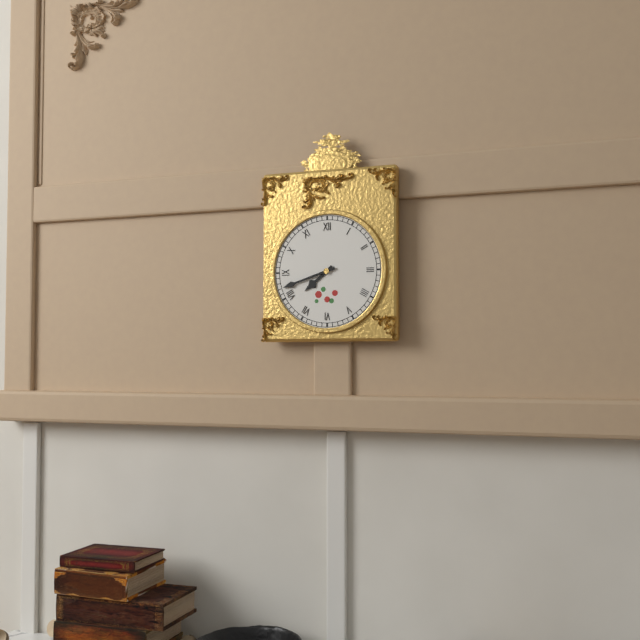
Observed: 7:42
